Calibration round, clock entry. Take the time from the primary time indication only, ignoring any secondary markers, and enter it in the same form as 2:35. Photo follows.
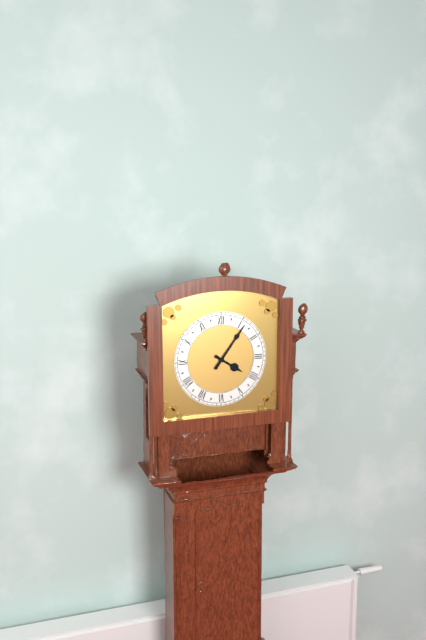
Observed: 4:06
